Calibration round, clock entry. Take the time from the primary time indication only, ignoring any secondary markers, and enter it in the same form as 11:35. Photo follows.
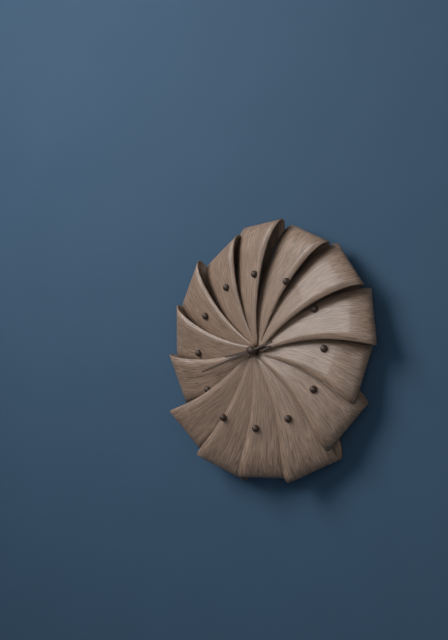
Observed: 8:42
